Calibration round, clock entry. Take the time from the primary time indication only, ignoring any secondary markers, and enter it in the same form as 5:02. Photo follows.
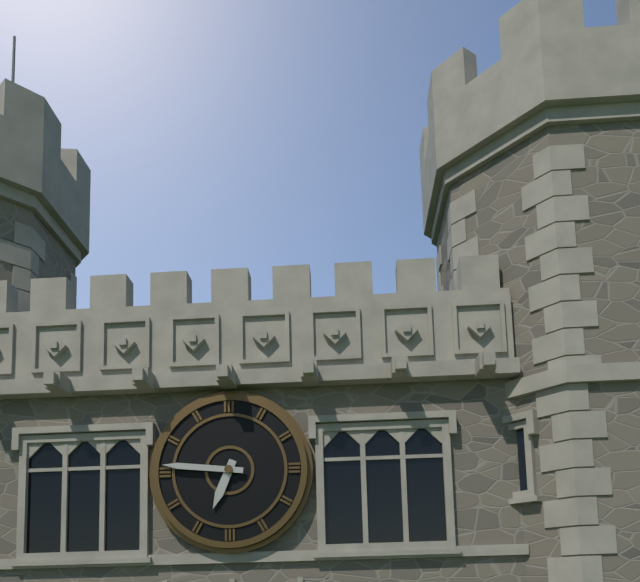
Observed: 6:46
